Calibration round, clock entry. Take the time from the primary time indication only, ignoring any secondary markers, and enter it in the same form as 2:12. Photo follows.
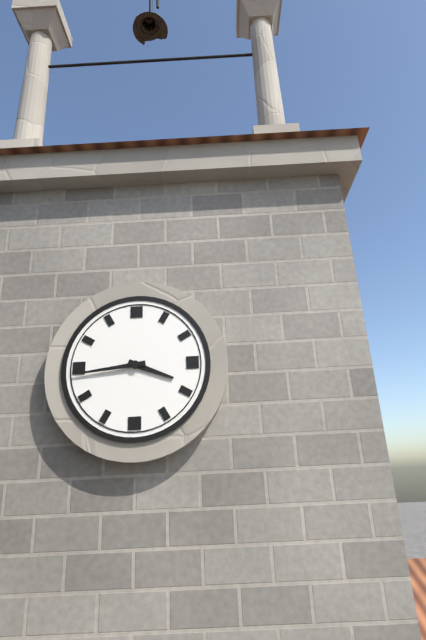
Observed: 3:44
